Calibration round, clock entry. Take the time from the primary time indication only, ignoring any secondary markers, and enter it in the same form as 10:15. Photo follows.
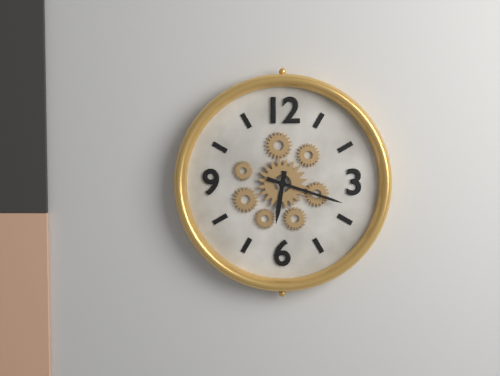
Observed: 6:18
